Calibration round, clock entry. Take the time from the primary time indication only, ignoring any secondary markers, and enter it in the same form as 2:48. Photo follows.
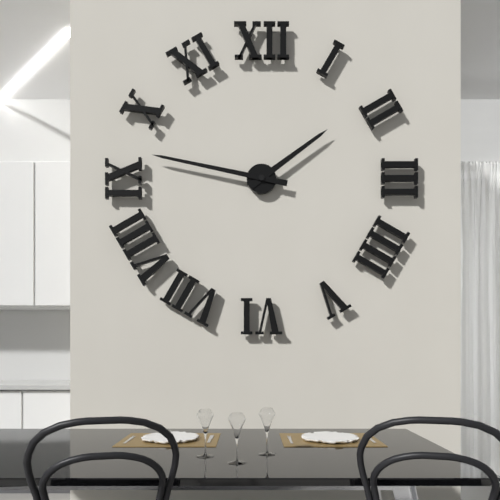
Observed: 1:47
